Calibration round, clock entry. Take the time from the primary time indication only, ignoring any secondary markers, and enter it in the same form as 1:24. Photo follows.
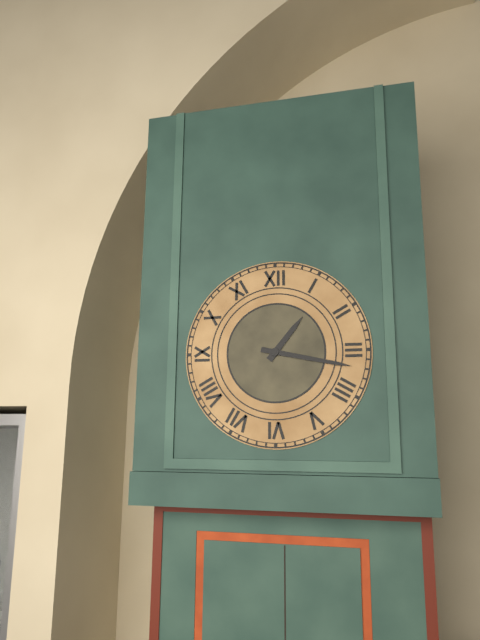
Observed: 1:17
